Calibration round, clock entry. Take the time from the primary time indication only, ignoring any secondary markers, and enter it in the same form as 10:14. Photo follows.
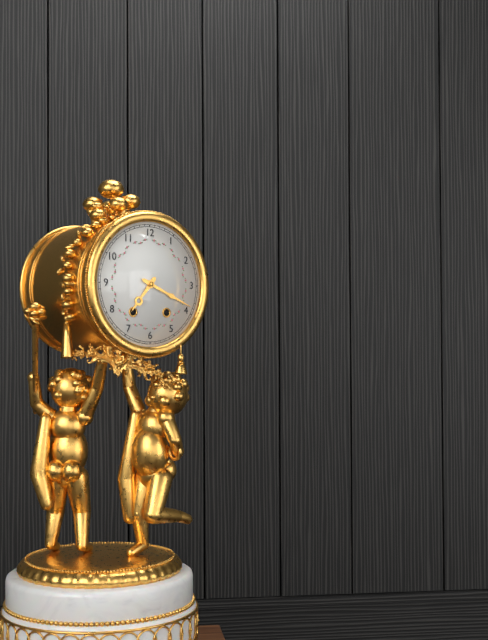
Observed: 7:19
